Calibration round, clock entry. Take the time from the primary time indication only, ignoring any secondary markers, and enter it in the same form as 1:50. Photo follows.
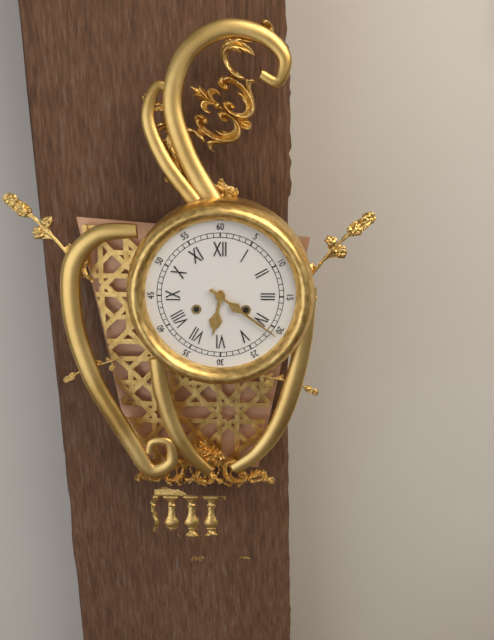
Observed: 6:21
